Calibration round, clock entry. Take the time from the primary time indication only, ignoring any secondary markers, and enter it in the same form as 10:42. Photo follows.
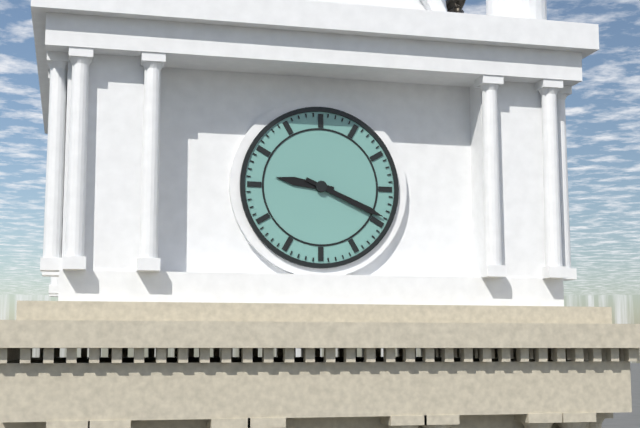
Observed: 9:19
